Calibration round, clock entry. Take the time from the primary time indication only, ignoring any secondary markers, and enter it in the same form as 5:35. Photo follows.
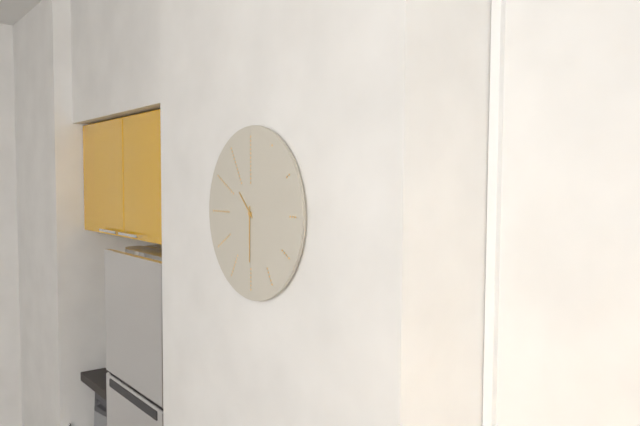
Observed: 10:30
